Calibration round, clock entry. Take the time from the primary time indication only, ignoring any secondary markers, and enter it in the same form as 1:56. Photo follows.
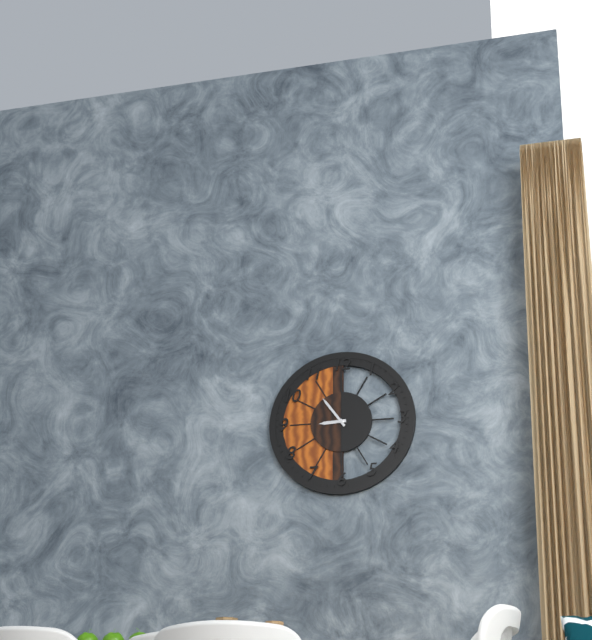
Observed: 8:54
